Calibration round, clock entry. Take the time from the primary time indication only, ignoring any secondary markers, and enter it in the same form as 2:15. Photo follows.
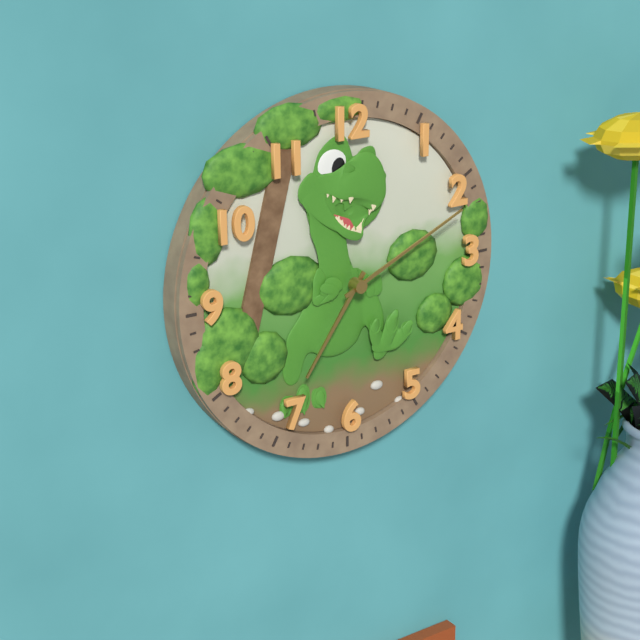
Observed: 7:11
